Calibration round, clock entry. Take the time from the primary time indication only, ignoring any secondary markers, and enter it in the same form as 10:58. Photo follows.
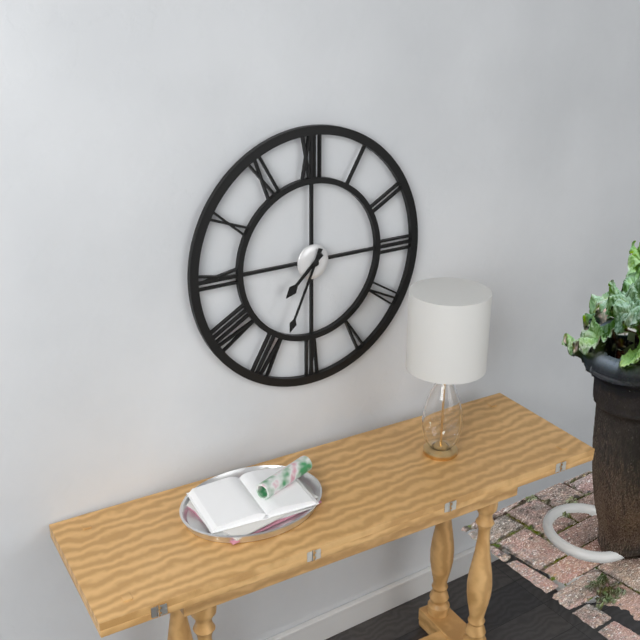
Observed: 7:34
